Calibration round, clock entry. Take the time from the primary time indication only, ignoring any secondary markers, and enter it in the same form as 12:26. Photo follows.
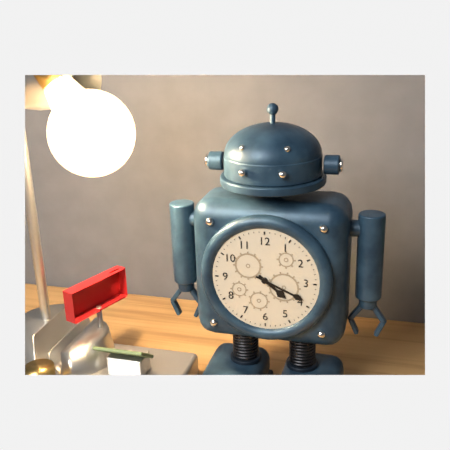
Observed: 4:19
